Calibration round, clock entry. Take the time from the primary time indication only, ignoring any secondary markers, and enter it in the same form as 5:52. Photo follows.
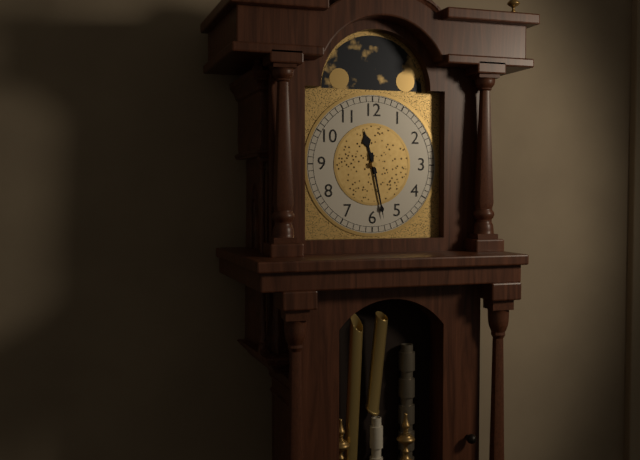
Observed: 11:28
